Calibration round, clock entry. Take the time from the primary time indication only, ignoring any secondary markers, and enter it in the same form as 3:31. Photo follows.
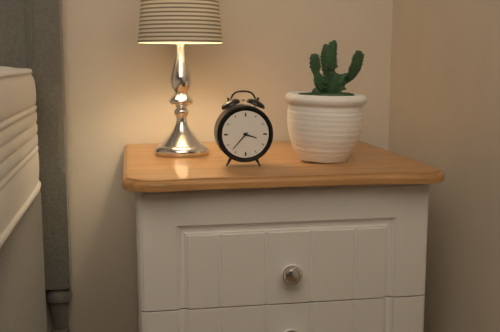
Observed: 3:37
